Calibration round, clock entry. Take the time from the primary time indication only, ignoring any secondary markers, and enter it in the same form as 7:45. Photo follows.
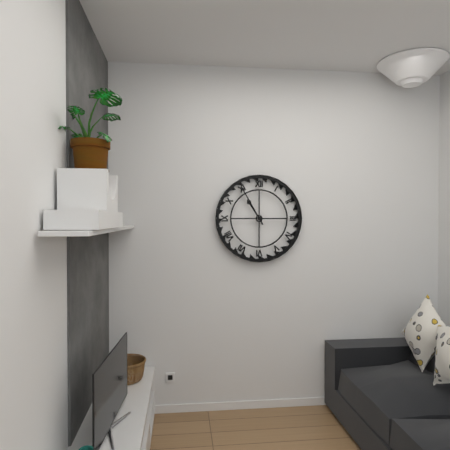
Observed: 10:55
